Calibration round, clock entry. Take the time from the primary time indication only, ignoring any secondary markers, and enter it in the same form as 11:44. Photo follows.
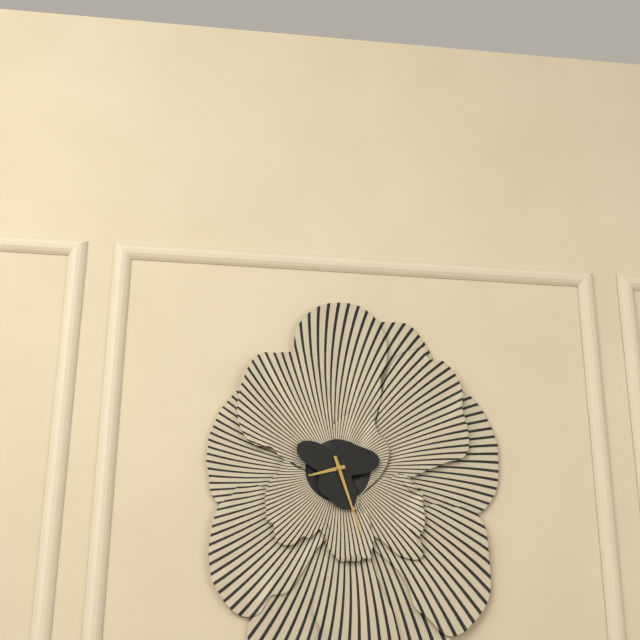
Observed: 8:27
